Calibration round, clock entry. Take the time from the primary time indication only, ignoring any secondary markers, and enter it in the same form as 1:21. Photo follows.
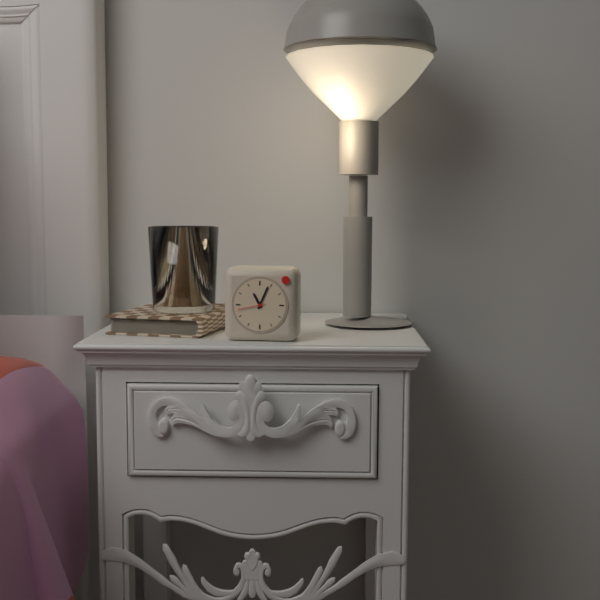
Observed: 11:04
